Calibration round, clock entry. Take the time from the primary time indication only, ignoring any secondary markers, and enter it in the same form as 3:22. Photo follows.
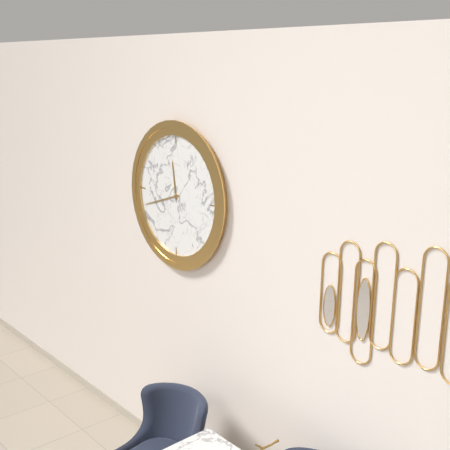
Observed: 11:42
